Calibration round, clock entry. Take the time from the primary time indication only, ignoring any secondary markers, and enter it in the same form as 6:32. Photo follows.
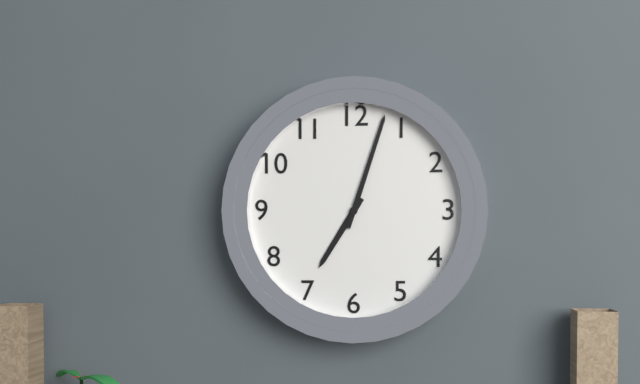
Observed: 7:03
